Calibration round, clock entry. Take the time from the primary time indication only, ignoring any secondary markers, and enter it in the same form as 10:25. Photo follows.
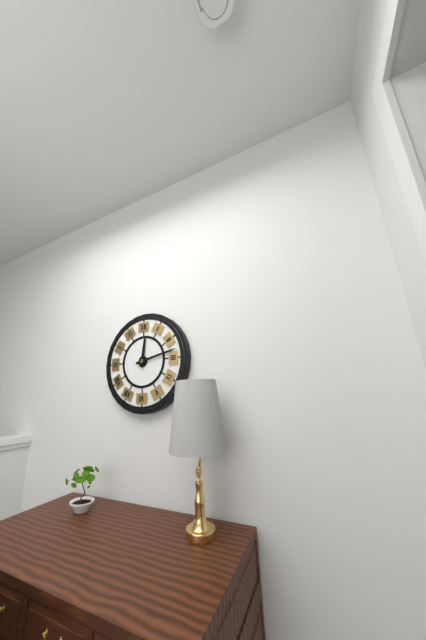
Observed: 12:13
